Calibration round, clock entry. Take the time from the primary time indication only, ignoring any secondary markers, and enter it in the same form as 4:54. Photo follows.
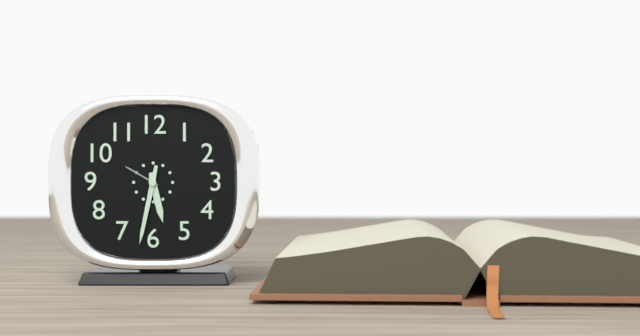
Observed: 5:32
